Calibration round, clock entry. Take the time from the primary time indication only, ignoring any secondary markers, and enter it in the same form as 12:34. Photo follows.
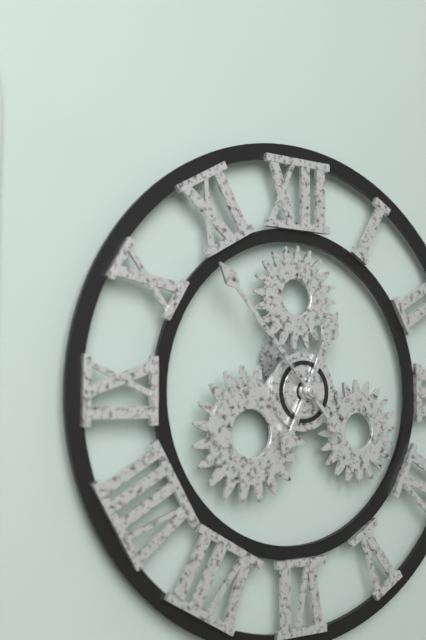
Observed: 12:53
